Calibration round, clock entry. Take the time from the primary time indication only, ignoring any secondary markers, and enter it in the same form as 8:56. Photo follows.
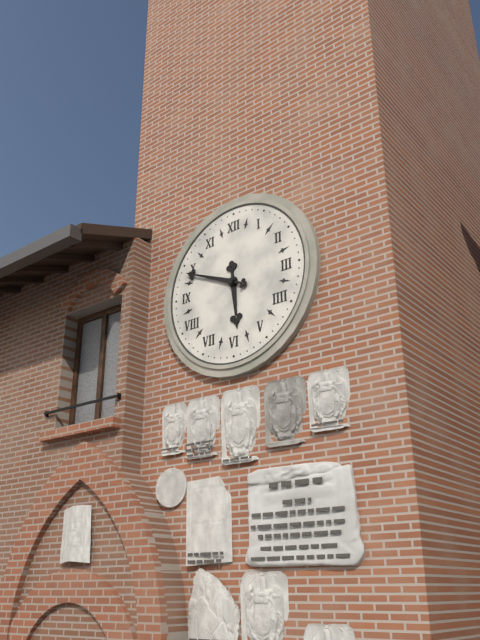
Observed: 5:49
